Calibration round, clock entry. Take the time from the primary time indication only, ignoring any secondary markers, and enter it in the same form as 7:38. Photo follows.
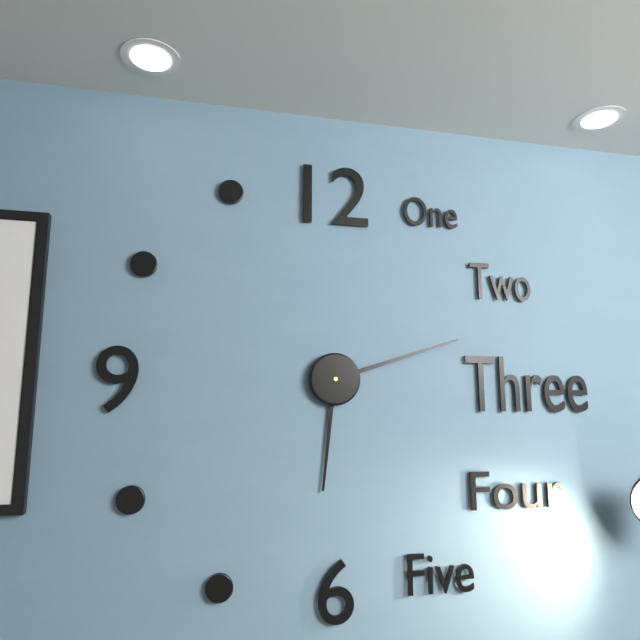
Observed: 6:12
